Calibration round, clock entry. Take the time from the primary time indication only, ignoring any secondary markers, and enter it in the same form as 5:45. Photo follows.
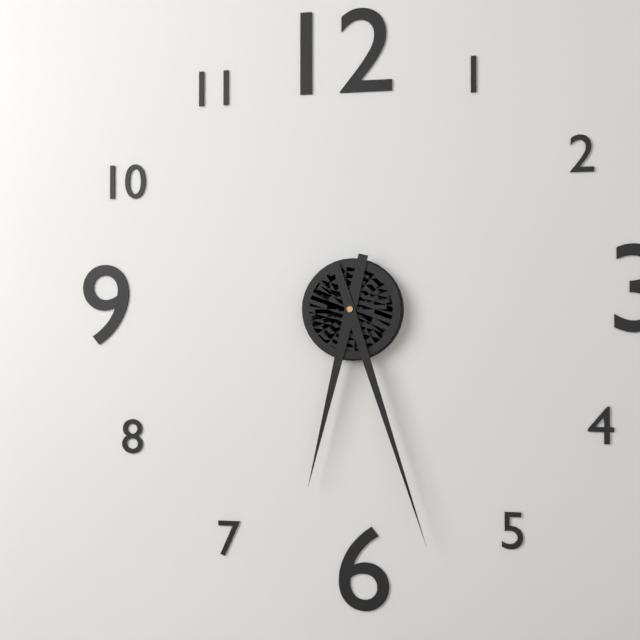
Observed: 6:27
